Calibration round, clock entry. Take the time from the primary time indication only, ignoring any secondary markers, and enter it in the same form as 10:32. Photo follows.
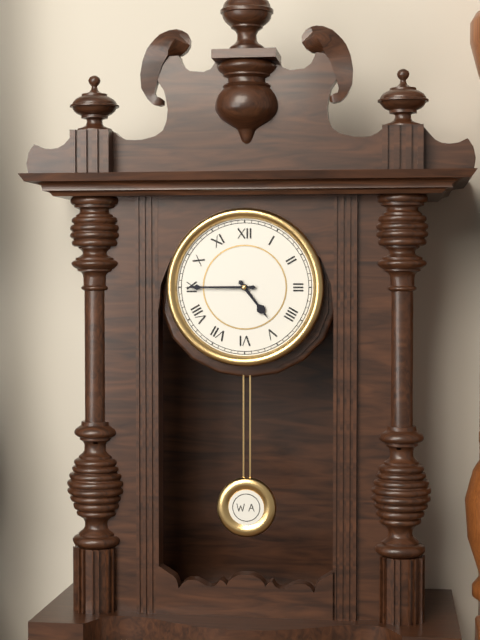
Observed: 4:45
